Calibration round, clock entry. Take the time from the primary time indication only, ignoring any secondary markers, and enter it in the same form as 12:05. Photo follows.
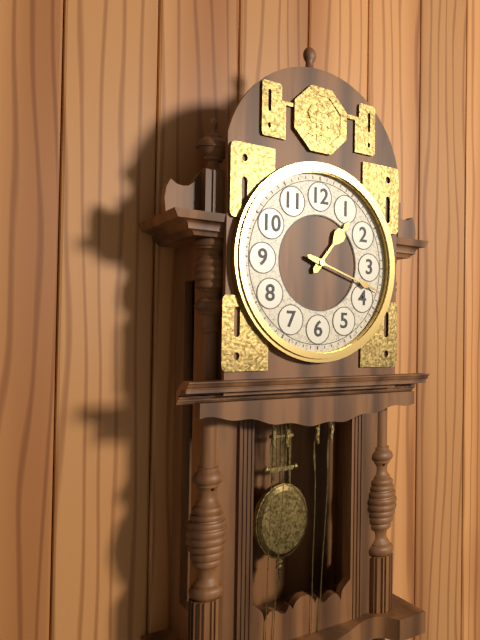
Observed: 1:18
